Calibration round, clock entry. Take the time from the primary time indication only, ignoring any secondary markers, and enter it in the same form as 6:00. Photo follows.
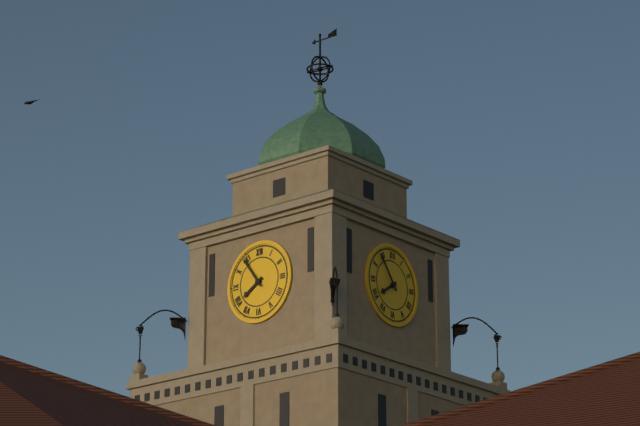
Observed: 7:54
